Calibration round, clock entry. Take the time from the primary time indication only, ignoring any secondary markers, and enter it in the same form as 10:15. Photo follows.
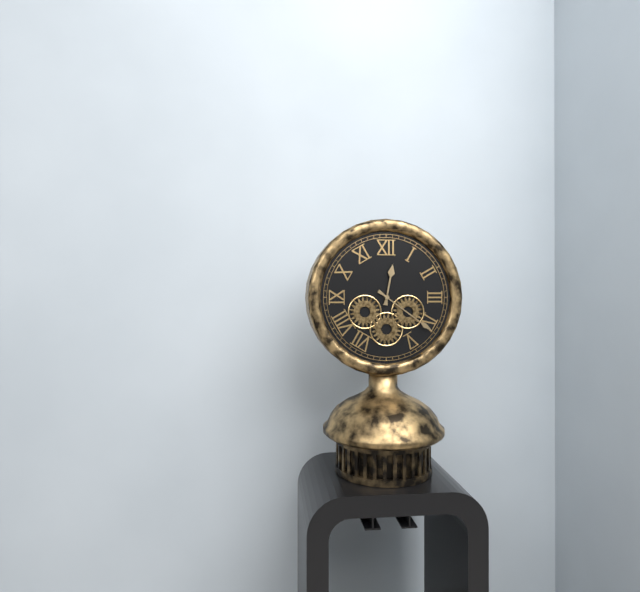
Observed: 12:21
